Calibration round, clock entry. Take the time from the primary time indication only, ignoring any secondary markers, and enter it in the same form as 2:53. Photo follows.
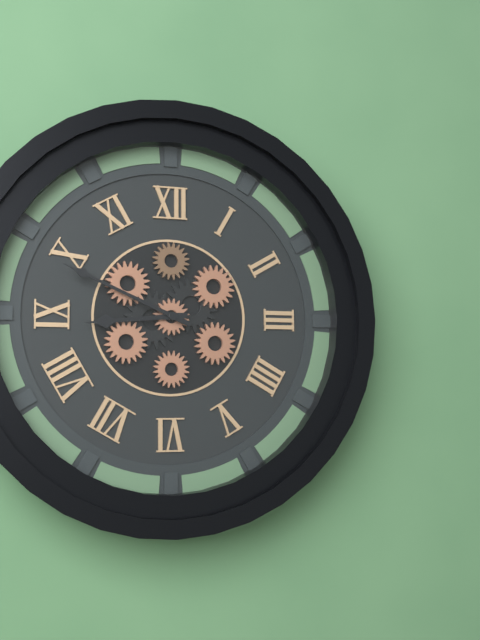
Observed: 8:49
